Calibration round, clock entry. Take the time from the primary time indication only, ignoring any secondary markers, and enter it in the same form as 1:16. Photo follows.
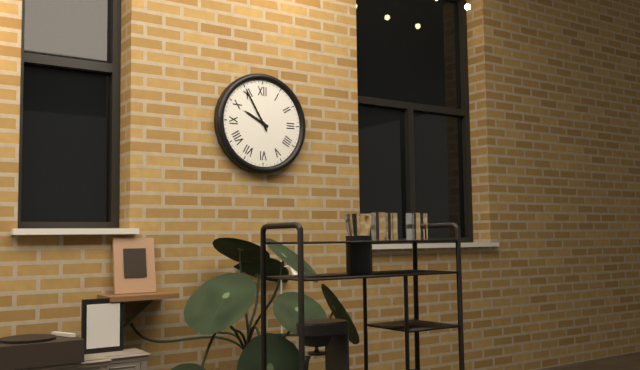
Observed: 9:55
